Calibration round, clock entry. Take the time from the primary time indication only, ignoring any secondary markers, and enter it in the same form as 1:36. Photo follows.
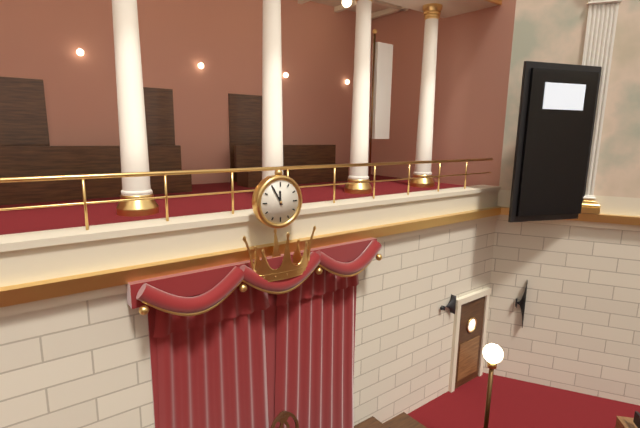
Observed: 11:55
